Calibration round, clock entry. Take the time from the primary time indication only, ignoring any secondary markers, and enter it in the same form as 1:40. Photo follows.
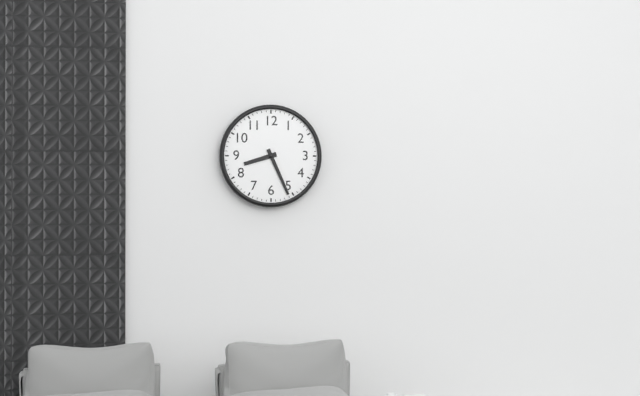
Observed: 8:26
